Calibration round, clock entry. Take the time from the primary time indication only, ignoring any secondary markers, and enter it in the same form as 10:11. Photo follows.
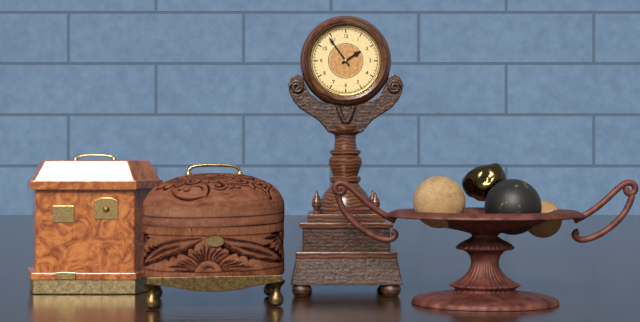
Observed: 1:54
